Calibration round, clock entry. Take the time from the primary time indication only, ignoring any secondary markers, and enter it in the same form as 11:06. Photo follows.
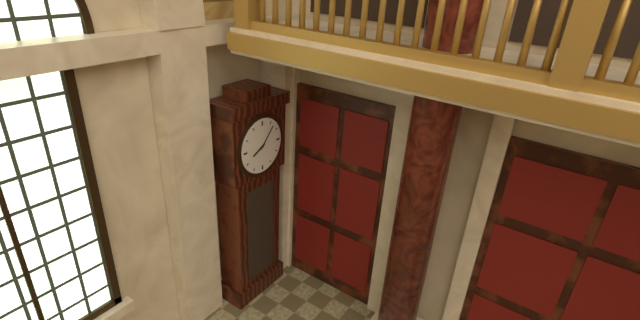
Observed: 8:07
